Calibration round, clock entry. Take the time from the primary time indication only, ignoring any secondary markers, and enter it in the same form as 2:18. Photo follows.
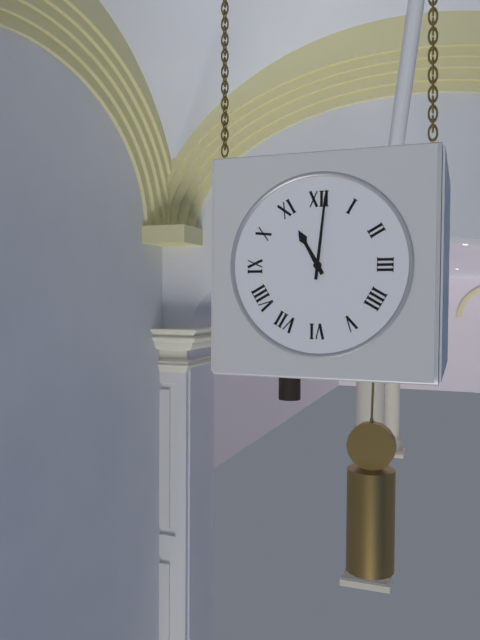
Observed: 11:01
